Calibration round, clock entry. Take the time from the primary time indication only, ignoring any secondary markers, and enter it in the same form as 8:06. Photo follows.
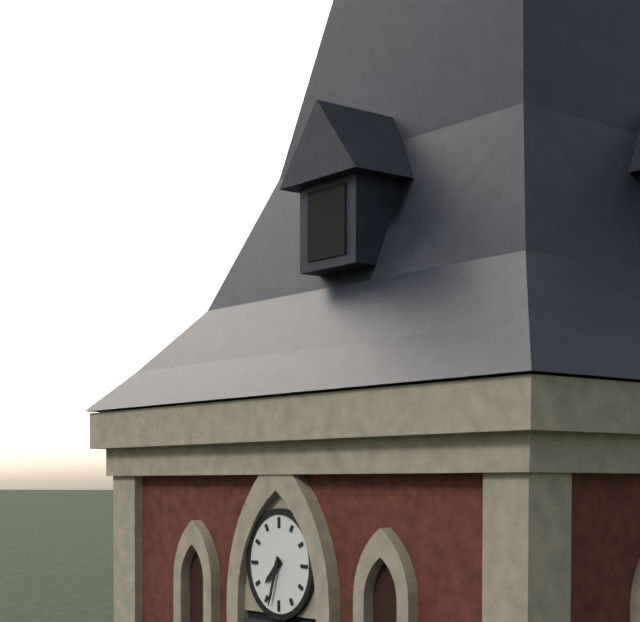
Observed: 7:33
